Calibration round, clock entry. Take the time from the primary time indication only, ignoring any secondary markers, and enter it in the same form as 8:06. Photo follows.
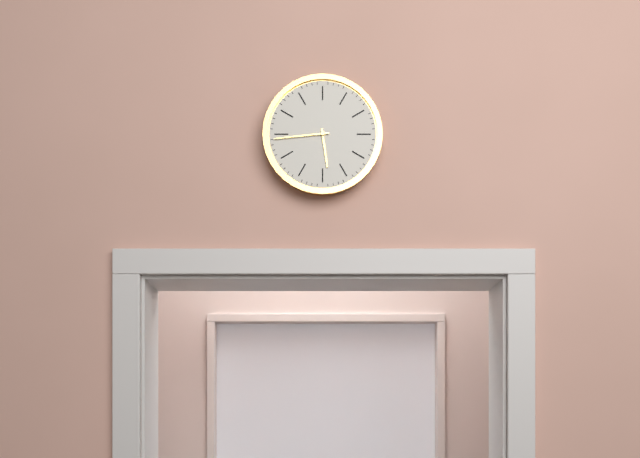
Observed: 5:44
